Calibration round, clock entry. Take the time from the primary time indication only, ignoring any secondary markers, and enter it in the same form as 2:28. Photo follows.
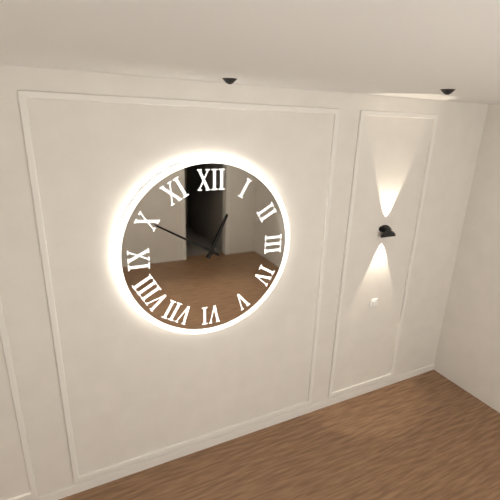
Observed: 12:50
